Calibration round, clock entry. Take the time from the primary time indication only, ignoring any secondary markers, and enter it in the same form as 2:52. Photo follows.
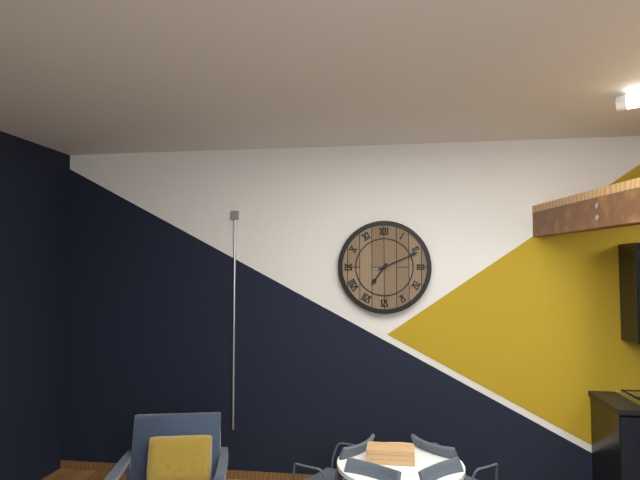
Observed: 7:11
